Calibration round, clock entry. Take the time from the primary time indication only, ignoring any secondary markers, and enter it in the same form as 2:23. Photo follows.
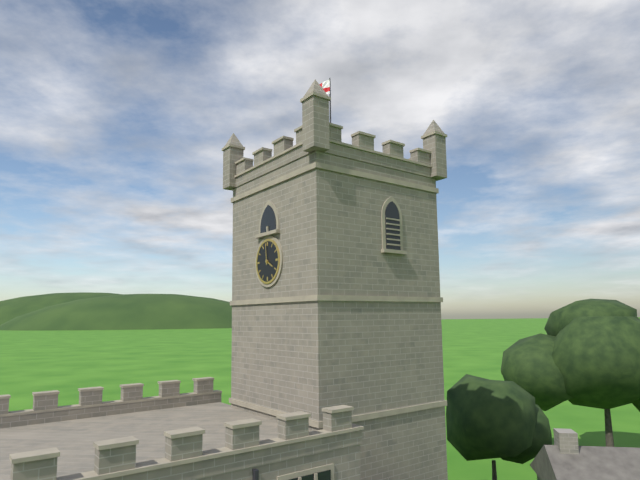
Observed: 3:59
